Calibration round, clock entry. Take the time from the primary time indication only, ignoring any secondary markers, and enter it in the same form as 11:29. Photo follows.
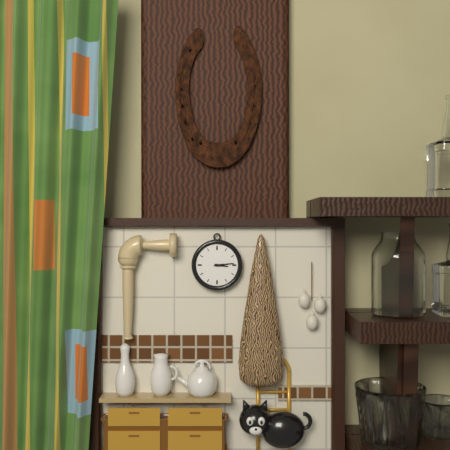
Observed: 3:14
